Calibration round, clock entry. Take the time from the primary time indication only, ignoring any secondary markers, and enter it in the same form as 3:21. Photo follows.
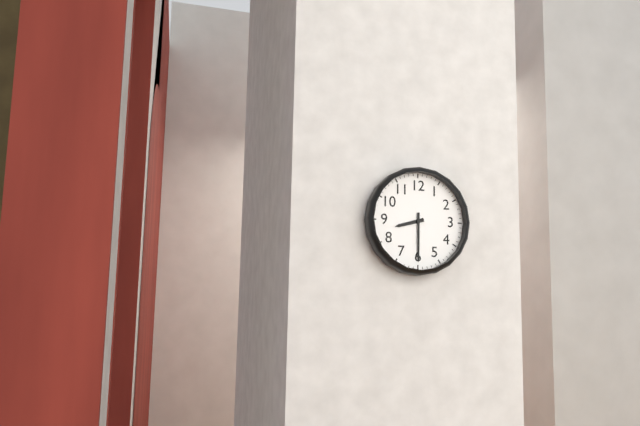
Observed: 8:30
